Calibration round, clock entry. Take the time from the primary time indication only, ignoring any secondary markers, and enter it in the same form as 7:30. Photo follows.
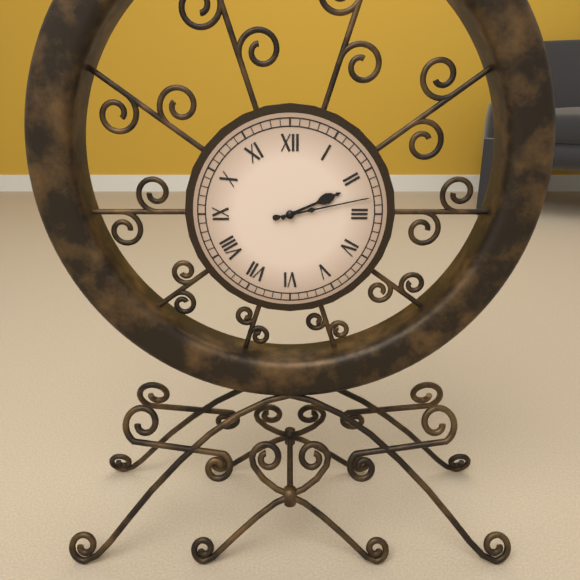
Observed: 2:13
